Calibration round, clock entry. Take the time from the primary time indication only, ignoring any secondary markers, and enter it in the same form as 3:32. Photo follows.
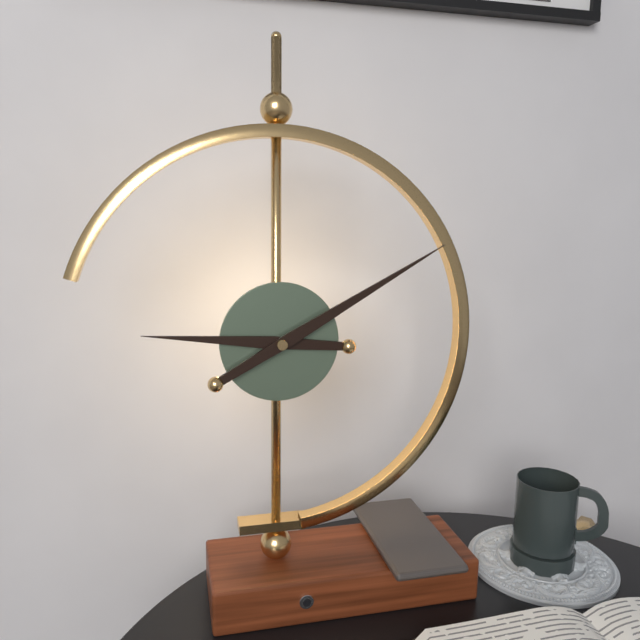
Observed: 9:10
